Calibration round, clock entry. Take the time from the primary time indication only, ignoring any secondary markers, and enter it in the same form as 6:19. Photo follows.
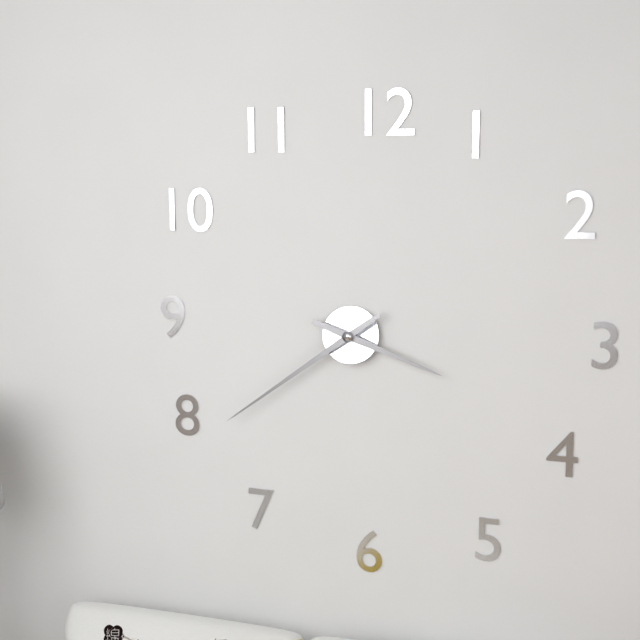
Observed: 3:39
